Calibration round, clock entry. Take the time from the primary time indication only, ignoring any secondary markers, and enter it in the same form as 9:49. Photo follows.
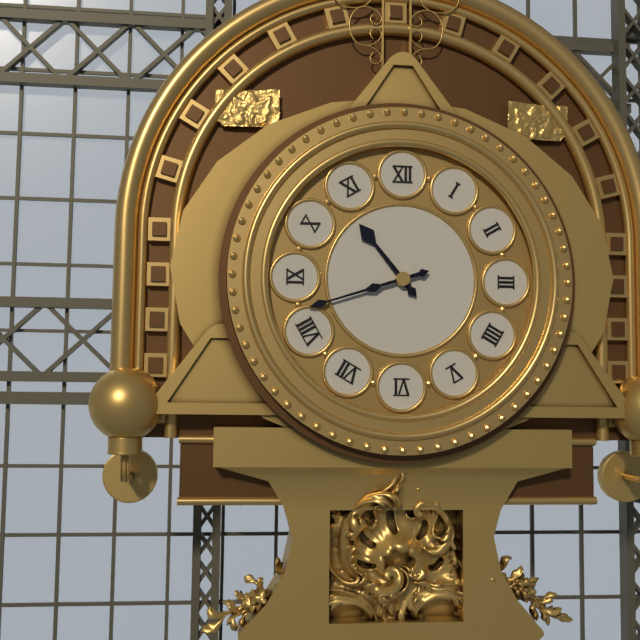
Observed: 10:42
